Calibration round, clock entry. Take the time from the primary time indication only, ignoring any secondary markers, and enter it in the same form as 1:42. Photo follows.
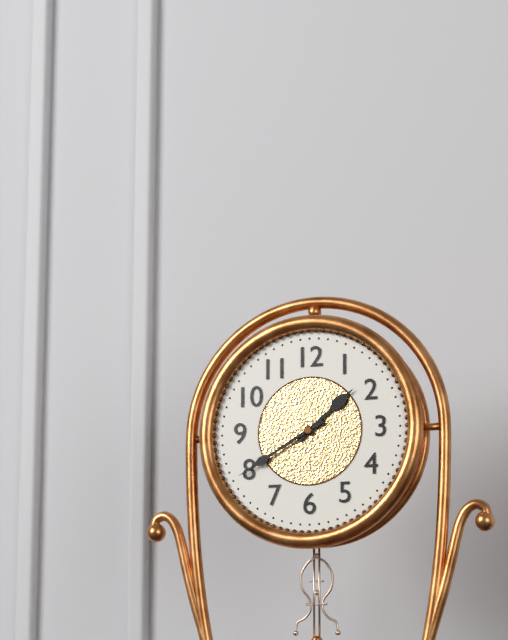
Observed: 1:40
